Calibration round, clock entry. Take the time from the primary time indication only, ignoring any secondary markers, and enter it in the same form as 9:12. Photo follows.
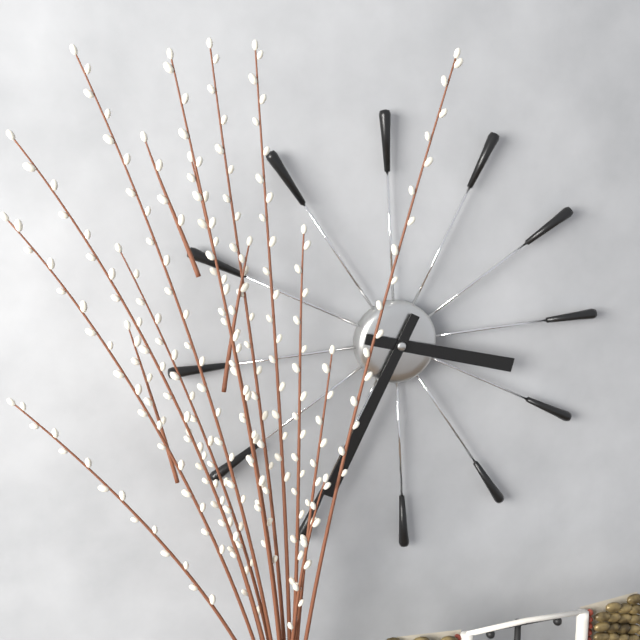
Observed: 3:35
